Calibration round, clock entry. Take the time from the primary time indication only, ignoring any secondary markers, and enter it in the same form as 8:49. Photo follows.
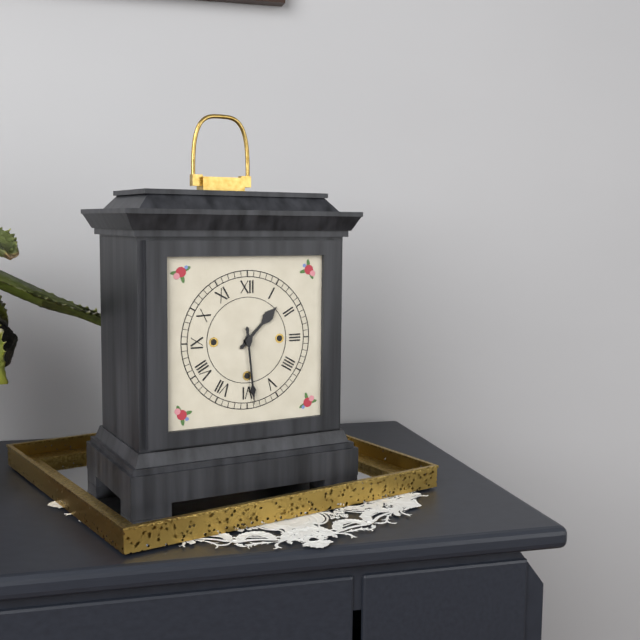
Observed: 1:29
